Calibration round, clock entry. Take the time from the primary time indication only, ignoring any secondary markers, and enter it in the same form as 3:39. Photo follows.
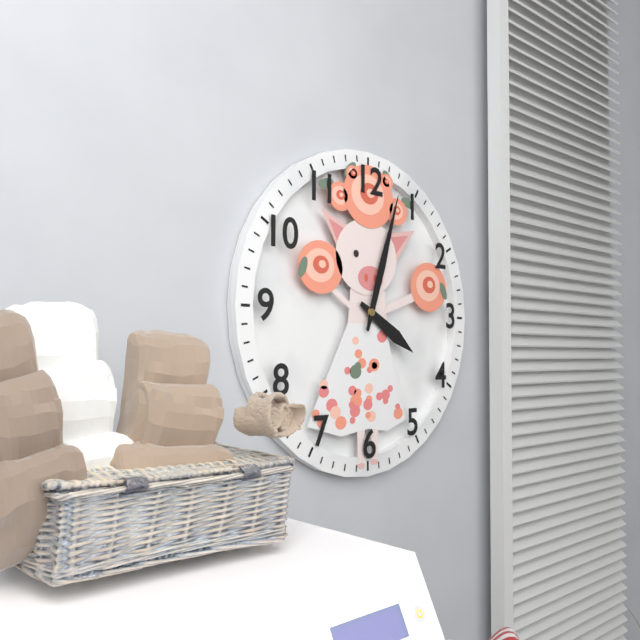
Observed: 4:03
